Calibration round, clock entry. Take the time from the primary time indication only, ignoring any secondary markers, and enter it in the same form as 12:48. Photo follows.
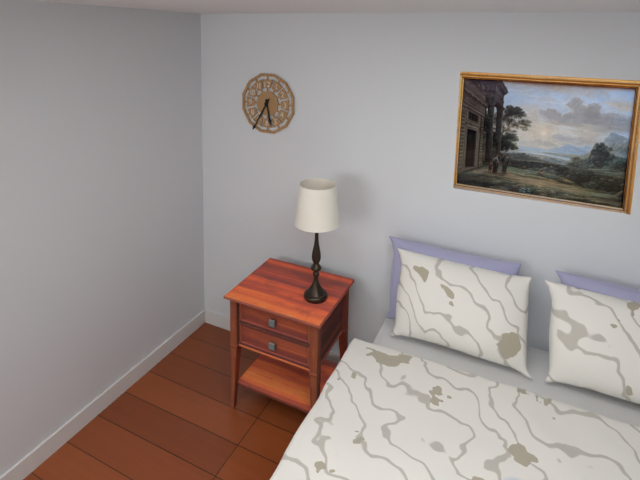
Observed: 5:35
